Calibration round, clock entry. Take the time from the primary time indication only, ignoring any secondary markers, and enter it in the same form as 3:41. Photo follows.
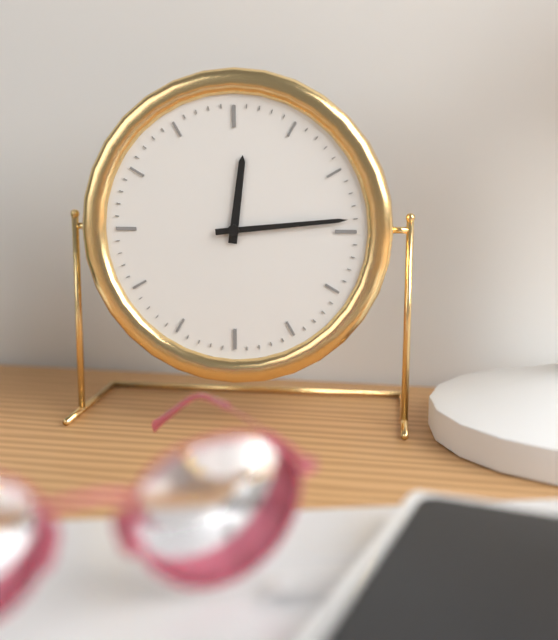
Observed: 12:14
